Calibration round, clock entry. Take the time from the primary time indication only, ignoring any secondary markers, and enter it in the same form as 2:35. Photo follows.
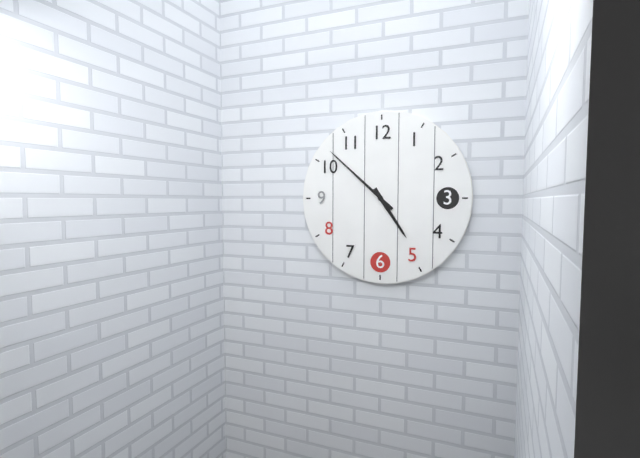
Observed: 4:52
